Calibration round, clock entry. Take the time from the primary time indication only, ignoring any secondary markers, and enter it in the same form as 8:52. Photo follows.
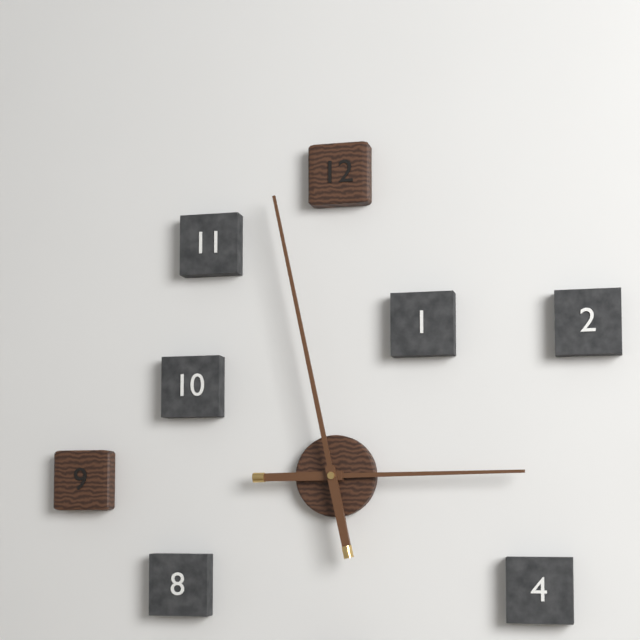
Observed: 2:58
